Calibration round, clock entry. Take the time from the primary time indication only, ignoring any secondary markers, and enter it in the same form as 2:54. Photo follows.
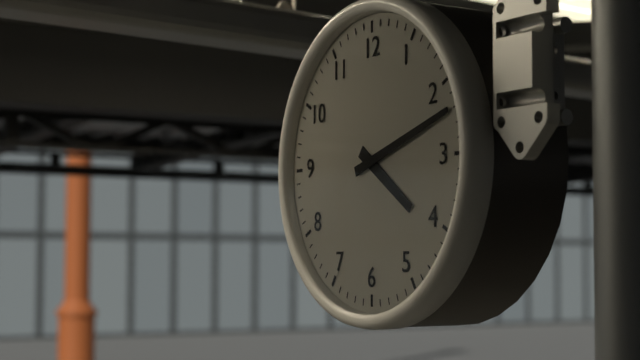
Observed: 4:12
